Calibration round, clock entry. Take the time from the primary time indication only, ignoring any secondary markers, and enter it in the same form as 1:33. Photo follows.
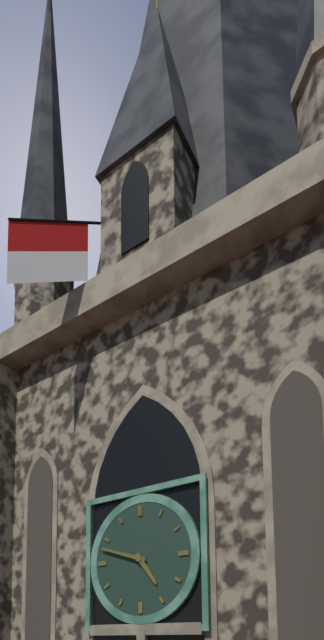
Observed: 4:48
